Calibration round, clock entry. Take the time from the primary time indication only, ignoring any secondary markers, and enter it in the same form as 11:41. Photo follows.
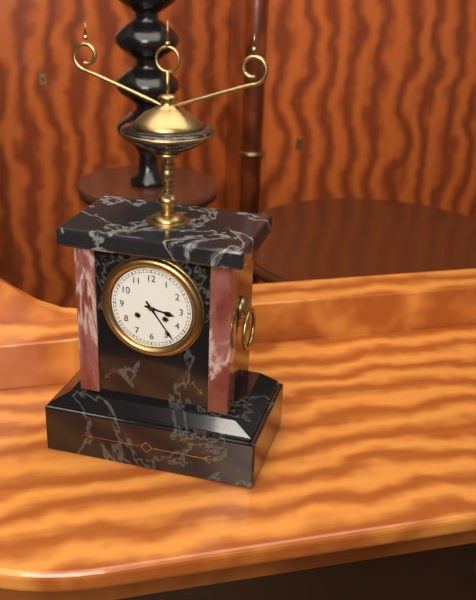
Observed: 3:24
